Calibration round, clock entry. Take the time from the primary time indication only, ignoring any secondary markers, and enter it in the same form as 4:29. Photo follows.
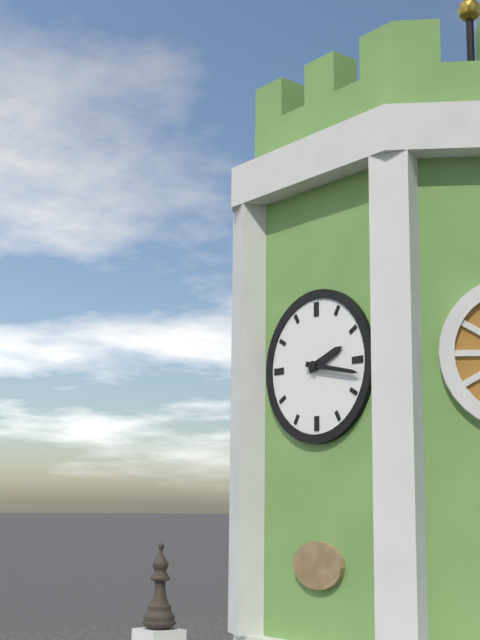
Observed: 2:17
